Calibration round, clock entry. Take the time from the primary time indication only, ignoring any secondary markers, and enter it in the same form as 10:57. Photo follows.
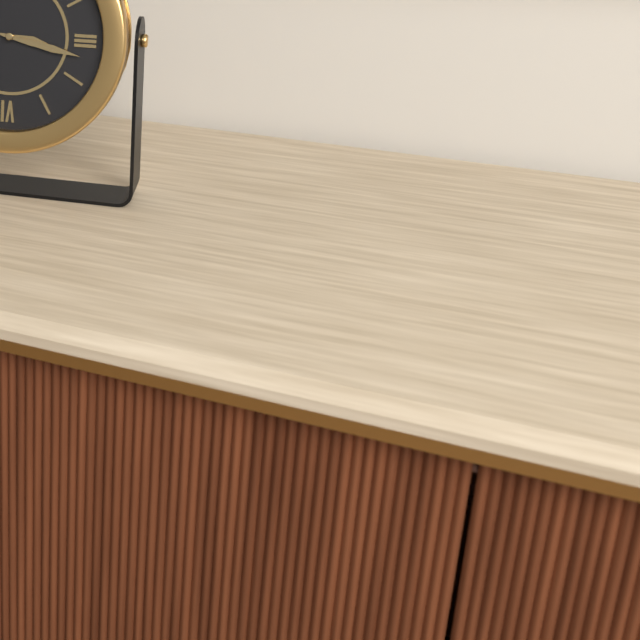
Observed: 3:17
